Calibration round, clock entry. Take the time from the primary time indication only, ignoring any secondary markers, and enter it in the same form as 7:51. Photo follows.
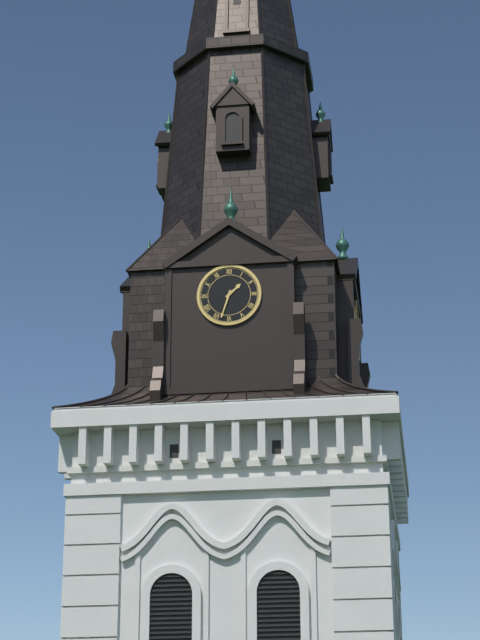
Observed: 1:33
